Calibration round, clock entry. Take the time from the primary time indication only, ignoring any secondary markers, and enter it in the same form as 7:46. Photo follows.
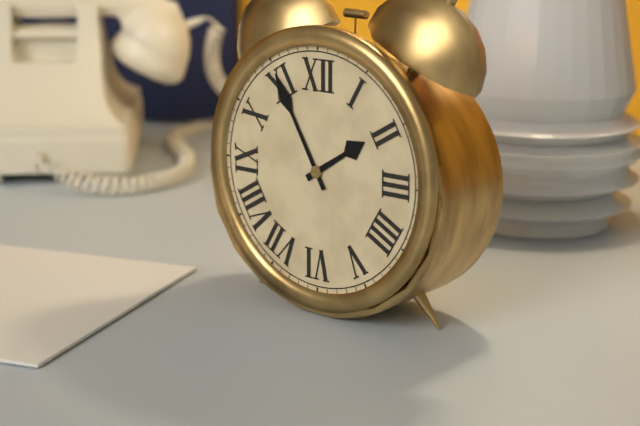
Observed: 1:55
